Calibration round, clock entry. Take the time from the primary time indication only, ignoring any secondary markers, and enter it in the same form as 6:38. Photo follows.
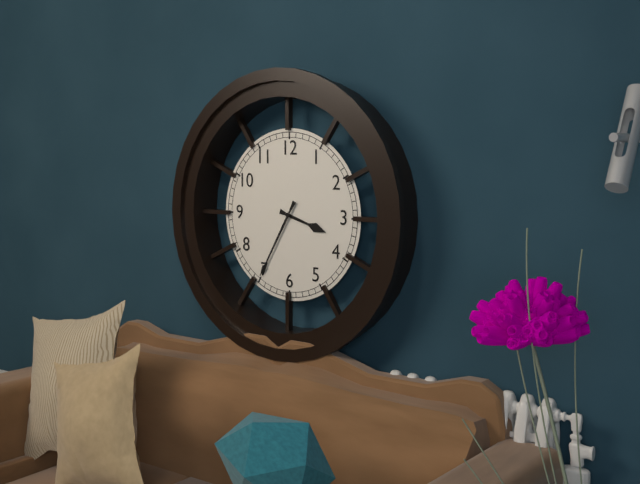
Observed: 3:35
